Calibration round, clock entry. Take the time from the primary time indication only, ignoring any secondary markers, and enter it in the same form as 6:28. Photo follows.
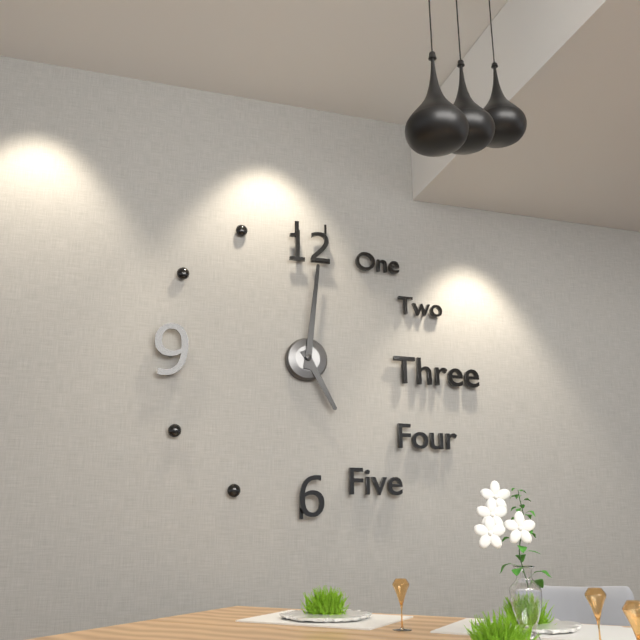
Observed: 5:01
